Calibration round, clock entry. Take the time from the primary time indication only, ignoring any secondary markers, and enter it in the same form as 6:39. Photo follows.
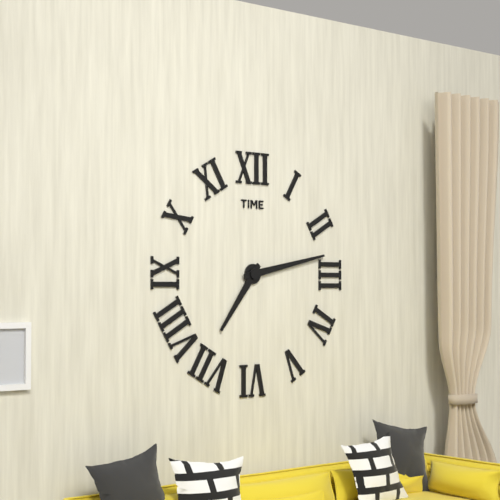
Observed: 7:13
